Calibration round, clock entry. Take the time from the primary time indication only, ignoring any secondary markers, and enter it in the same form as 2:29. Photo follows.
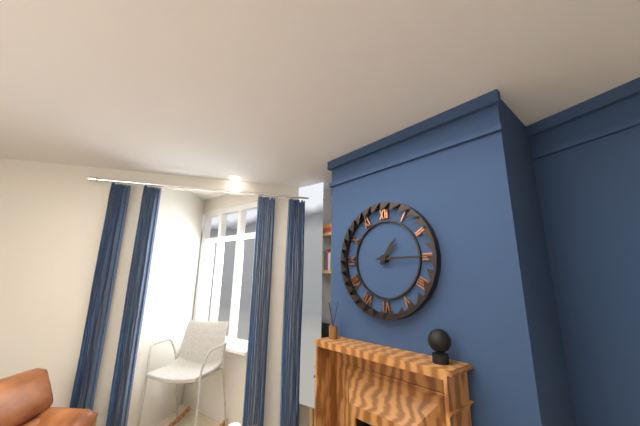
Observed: 1:15
